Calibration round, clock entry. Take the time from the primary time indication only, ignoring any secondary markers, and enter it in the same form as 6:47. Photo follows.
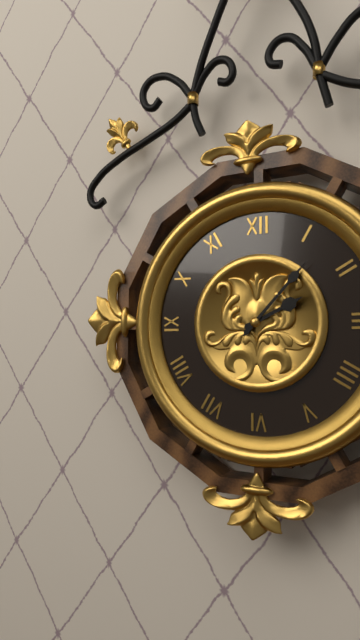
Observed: 2:07
